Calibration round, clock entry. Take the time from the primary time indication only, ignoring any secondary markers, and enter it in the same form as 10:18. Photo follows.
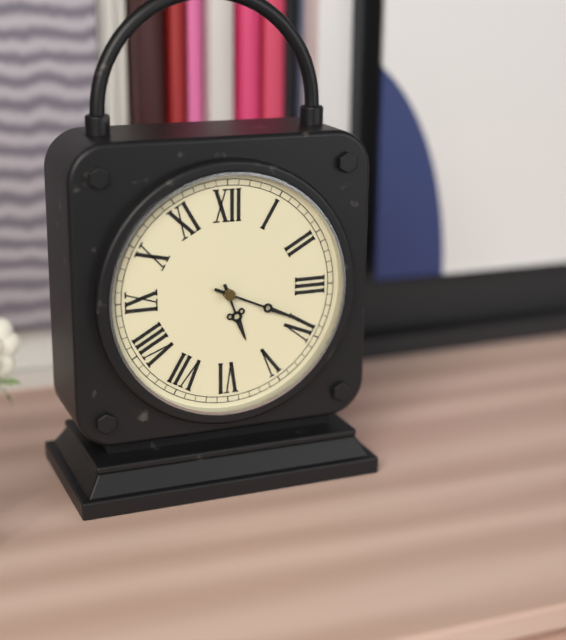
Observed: 5:19
